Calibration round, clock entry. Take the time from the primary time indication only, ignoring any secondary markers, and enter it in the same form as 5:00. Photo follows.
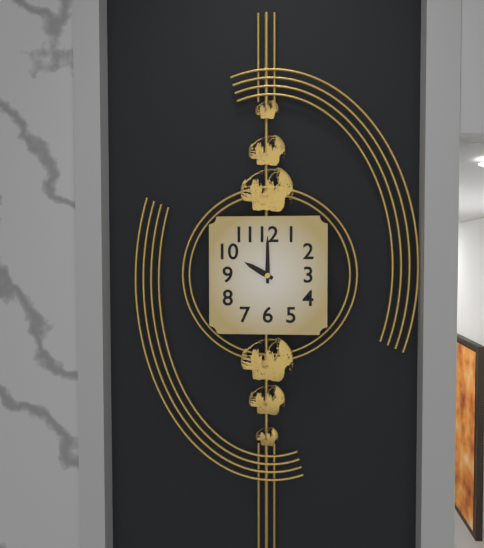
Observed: 10:00
